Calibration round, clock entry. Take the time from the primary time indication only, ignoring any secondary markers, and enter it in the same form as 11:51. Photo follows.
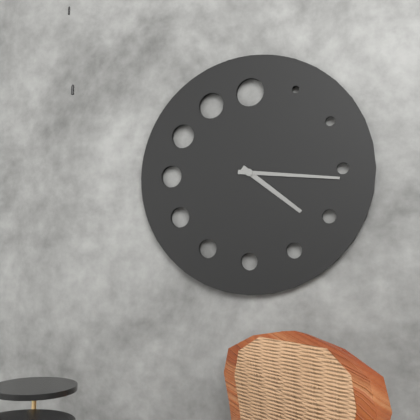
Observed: 4:16
